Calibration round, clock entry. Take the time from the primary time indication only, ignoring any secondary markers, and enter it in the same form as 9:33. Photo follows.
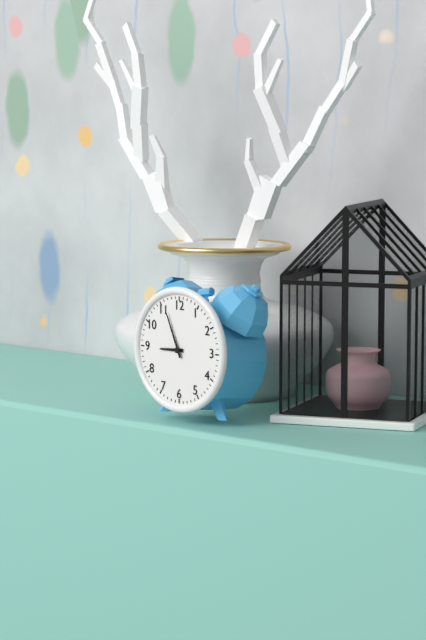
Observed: 8:56
